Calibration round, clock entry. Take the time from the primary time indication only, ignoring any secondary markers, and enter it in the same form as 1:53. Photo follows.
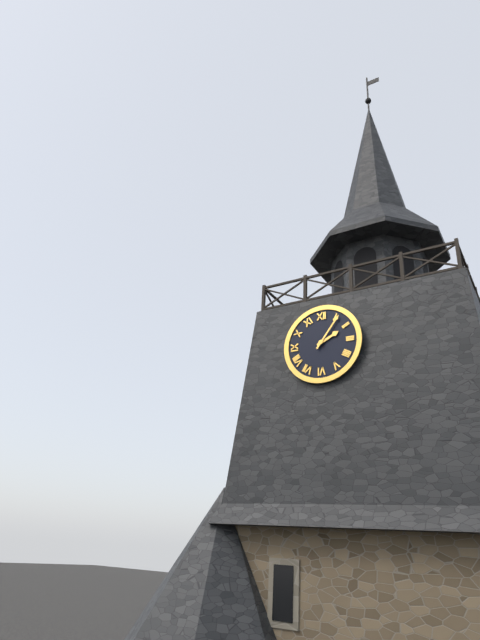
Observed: 2:06
